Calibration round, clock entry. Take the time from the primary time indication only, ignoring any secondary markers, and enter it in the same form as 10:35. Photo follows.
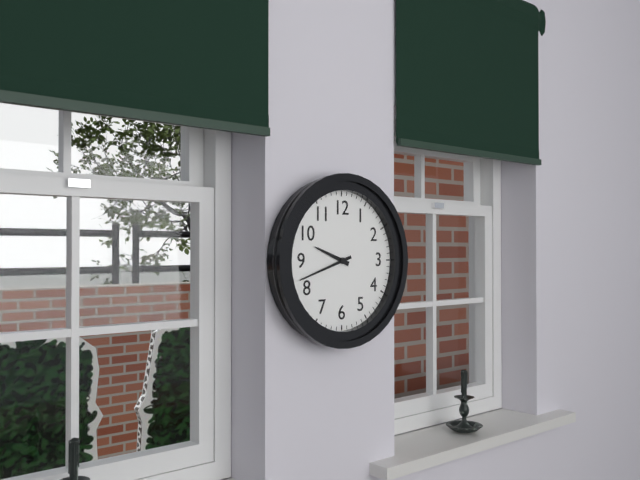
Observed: 9:42
